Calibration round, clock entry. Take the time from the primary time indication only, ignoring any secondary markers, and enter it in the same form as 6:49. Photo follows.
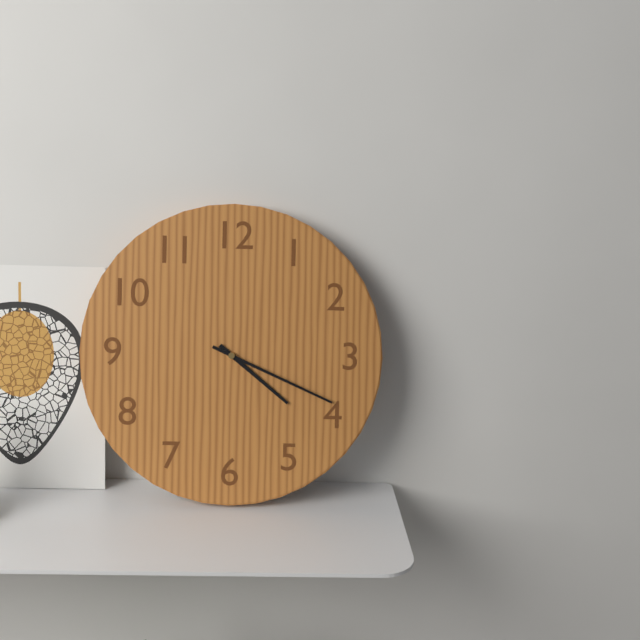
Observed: 4:19
